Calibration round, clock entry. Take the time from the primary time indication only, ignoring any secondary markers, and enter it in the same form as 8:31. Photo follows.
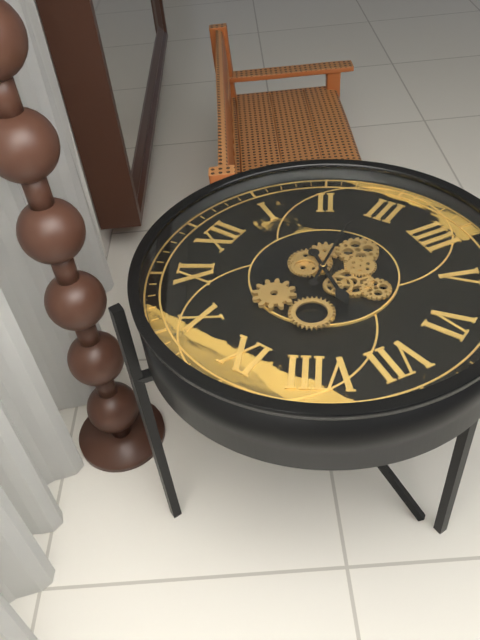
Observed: 7:13
